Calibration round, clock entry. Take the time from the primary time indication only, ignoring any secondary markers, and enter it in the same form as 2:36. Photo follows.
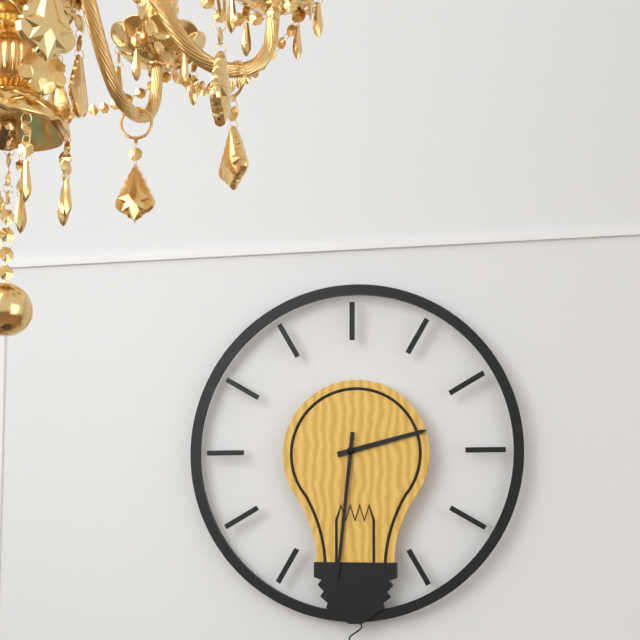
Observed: 2:31
